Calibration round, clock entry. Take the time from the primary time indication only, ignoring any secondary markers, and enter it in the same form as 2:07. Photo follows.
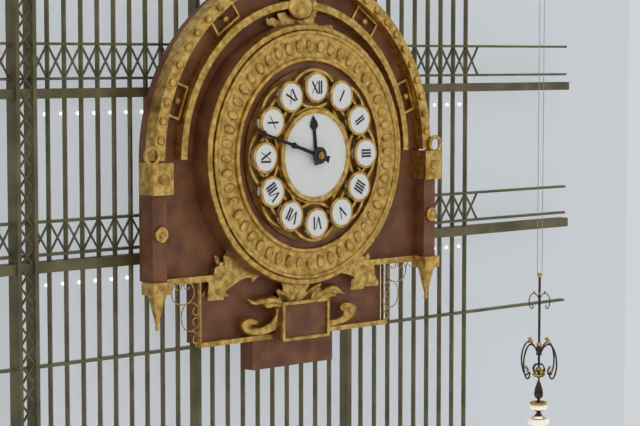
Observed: 11:48
